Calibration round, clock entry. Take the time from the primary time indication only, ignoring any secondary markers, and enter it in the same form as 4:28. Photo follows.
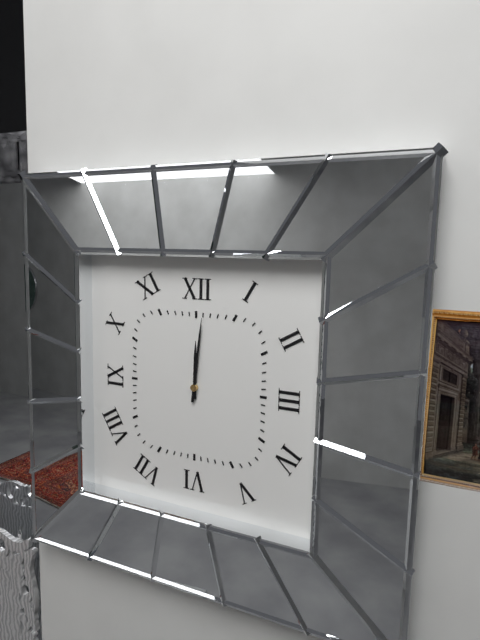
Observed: 12:01
